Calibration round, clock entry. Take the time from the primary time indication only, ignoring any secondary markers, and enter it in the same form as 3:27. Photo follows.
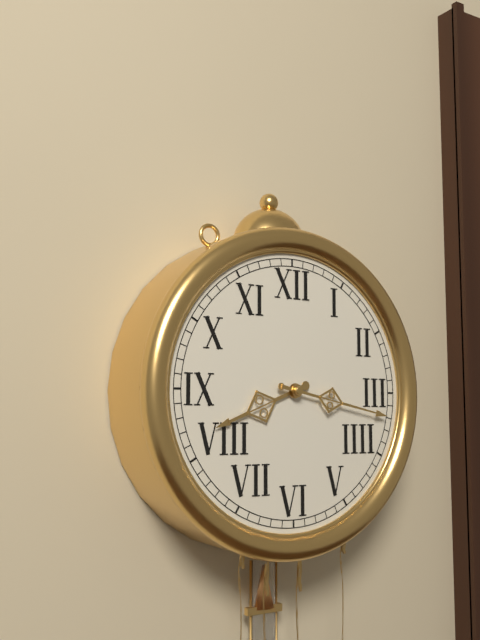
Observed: 8:17
